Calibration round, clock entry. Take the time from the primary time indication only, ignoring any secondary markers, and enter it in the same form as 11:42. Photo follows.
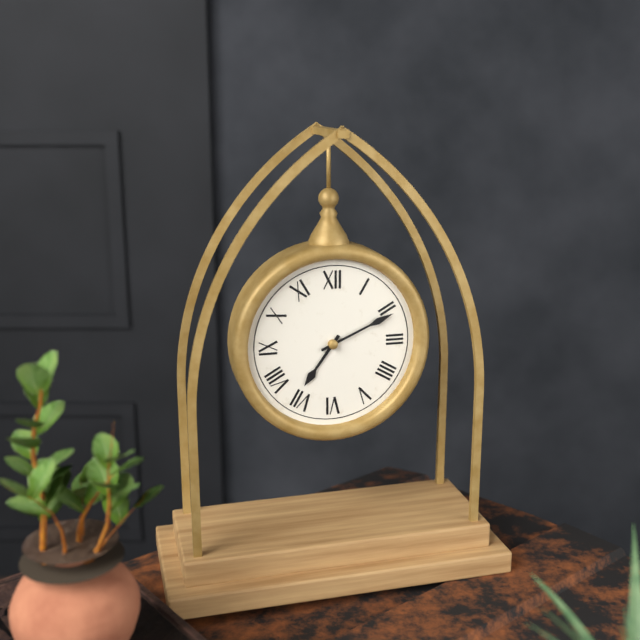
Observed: 7:11
